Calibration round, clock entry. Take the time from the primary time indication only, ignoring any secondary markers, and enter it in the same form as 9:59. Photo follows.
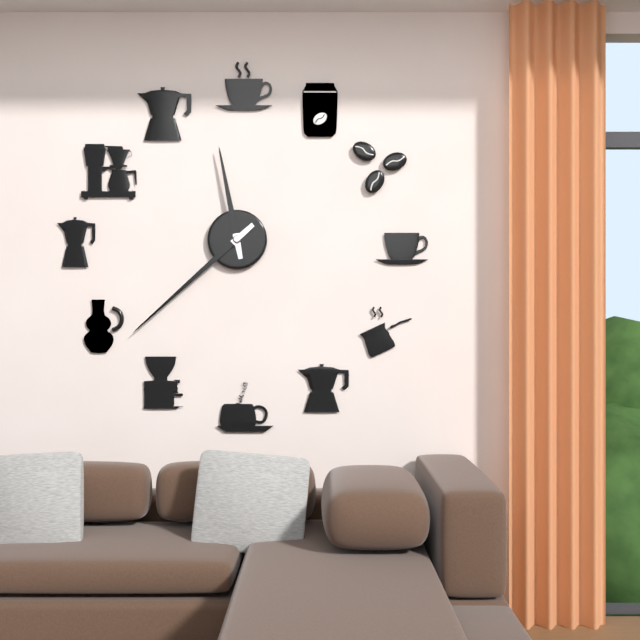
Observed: 11:38
